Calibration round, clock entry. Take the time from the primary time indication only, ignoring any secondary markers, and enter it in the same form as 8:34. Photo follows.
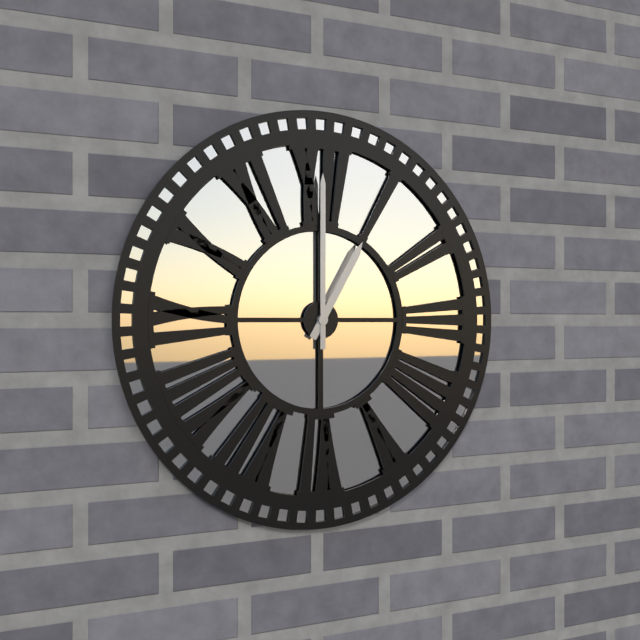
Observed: 1:00
